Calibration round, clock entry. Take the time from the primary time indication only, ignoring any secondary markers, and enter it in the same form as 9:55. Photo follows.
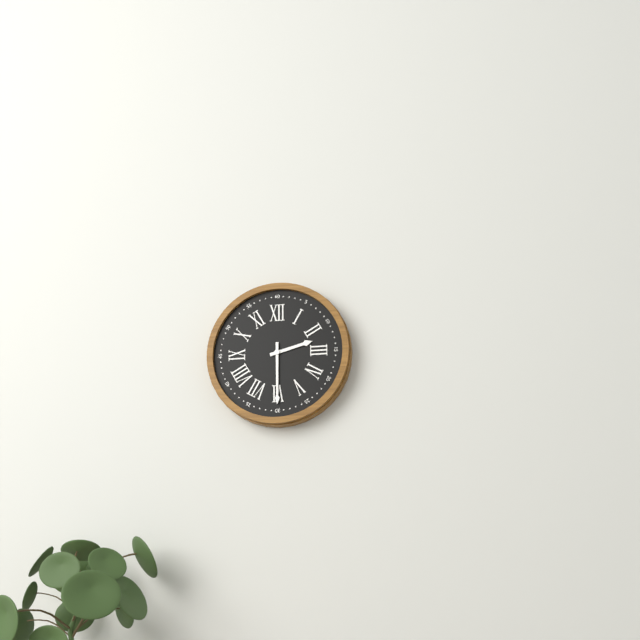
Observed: 2:30
